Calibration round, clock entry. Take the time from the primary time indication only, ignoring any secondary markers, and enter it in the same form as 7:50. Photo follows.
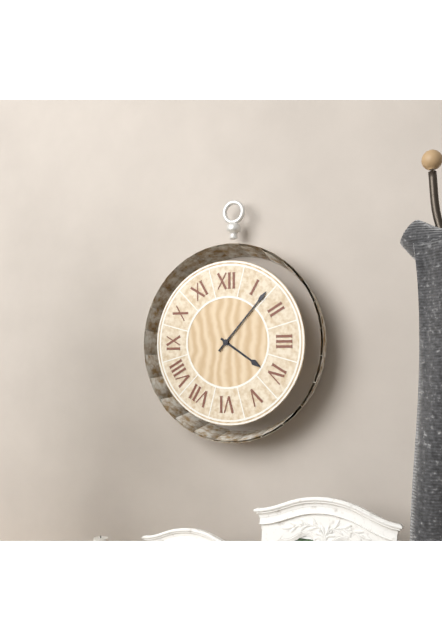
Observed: 4:07
